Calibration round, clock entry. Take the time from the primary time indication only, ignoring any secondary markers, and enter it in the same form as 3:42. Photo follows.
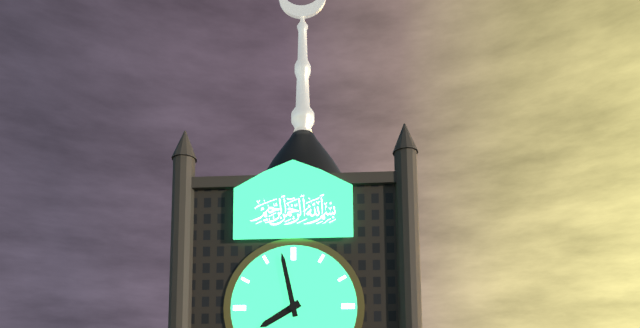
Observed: 7:58
